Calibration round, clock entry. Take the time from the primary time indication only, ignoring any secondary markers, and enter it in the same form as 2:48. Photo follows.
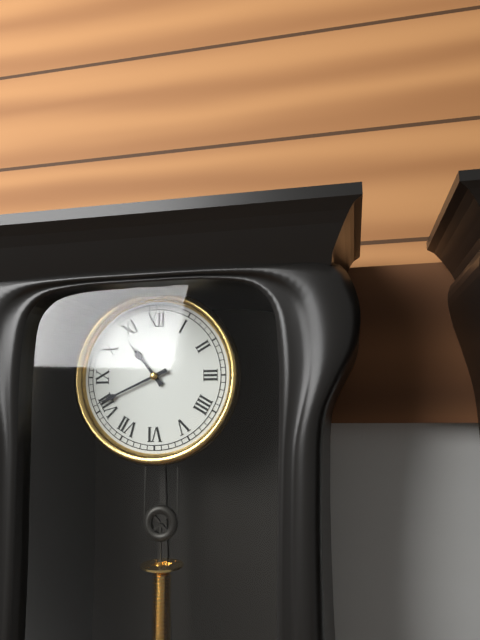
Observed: 10:41
